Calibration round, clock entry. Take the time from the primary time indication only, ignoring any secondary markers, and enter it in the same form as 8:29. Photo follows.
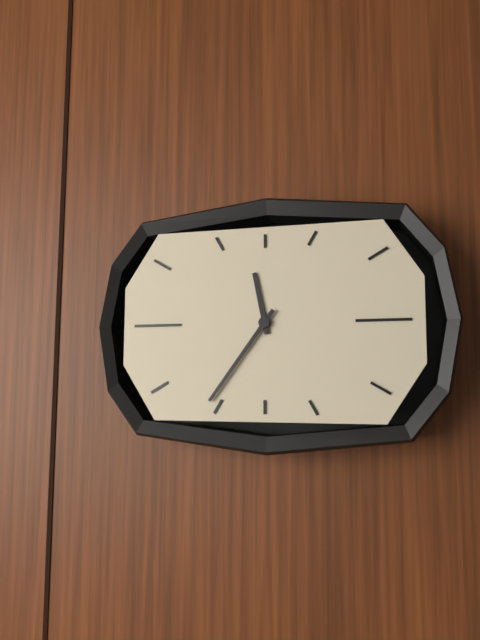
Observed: 11:36
